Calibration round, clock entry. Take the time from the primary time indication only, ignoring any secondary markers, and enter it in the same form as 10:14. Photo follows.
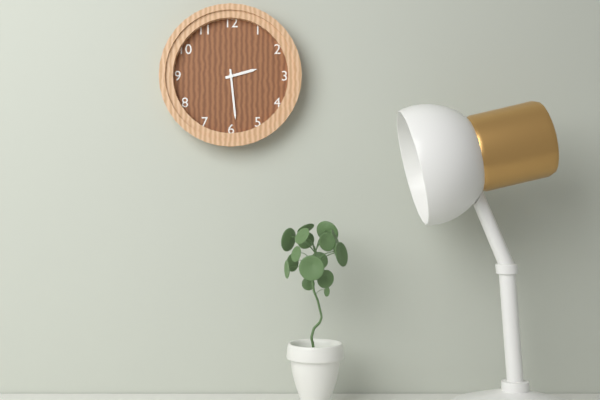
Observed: 2:29
